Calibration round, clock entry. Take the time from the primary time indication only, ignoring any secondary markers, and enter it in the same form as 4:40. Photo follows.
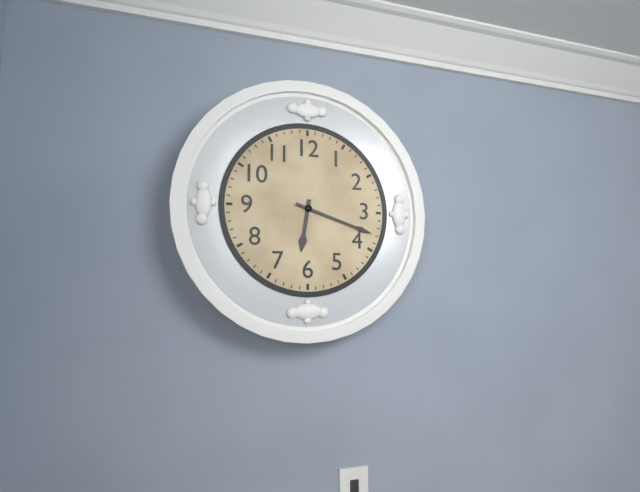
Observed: 6:18
